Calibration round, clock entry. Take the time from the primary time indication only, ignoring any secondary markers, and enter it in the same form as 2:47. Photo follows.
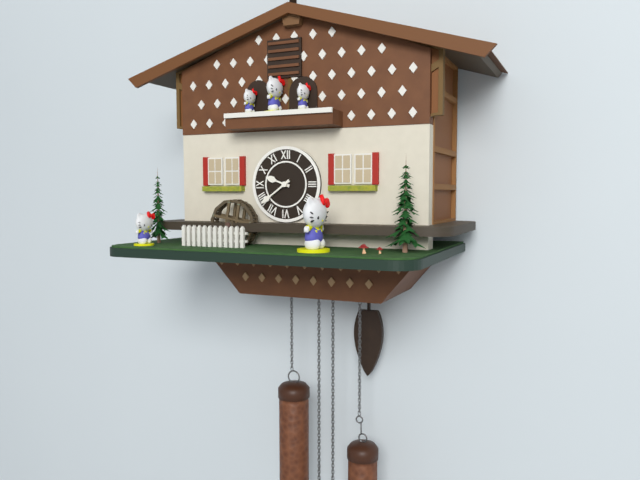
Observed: 9:39
